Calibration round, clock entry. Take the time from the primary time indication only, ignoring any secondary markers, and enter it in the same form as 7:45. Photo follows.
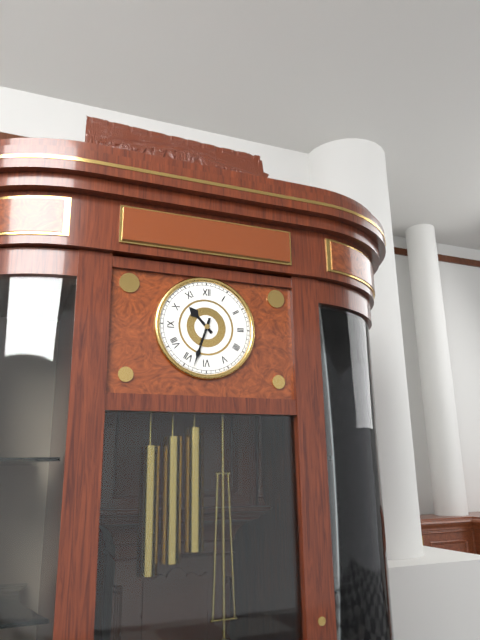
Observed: 10:33
